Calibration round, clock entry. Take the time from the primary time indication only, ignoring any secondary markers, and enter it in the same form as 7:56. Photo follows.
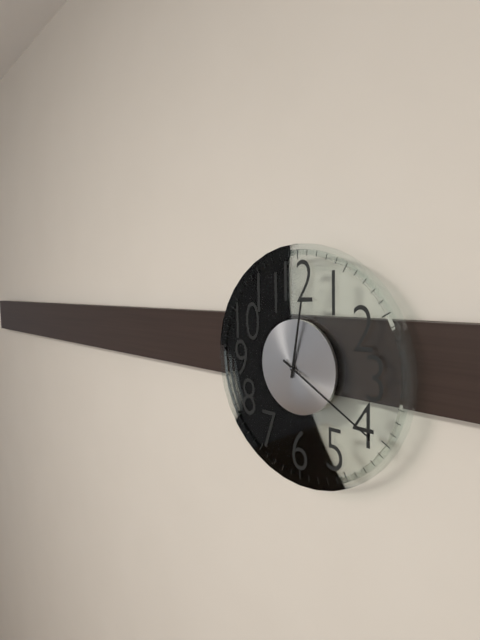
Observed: 12:20
